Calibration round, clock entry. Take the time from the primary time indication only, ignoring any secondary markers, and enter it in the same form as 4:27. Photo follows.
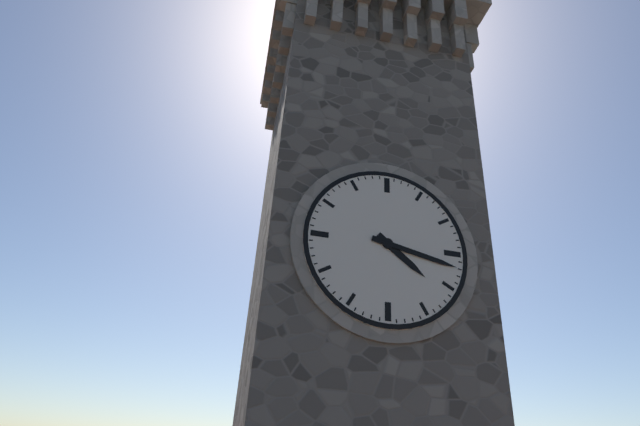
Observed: 4:17
